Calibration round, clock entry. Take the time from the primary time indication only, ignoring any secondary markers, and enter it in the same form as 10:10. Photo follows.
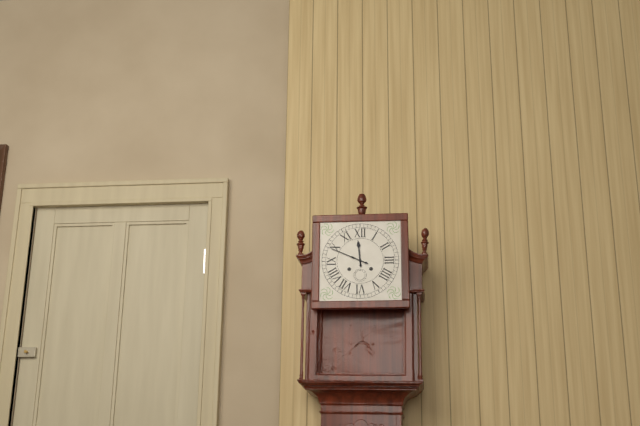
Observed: 11:49
